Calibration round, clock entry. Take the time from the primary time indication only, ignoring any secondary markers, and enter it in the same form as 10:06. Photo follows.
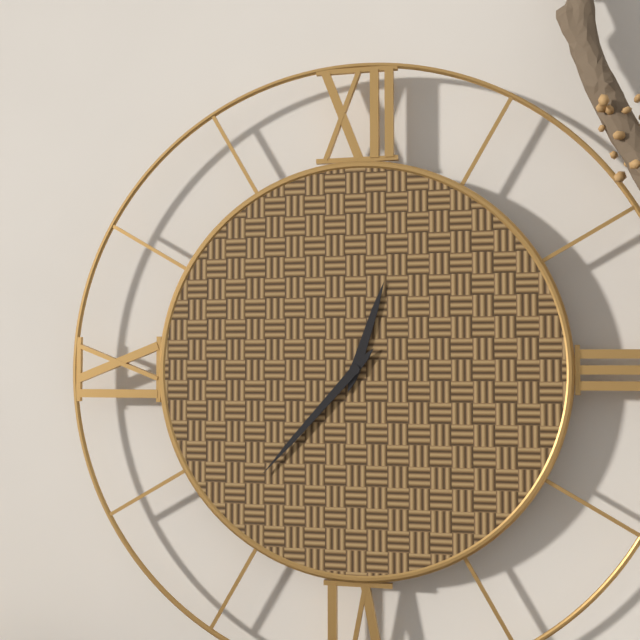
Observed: 12:37
